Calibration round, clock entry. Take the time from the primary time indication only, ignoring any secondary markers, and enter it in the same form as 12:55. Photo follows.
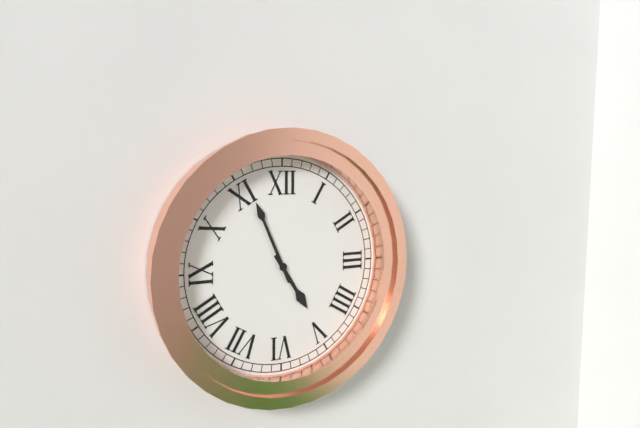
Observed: 4:56
